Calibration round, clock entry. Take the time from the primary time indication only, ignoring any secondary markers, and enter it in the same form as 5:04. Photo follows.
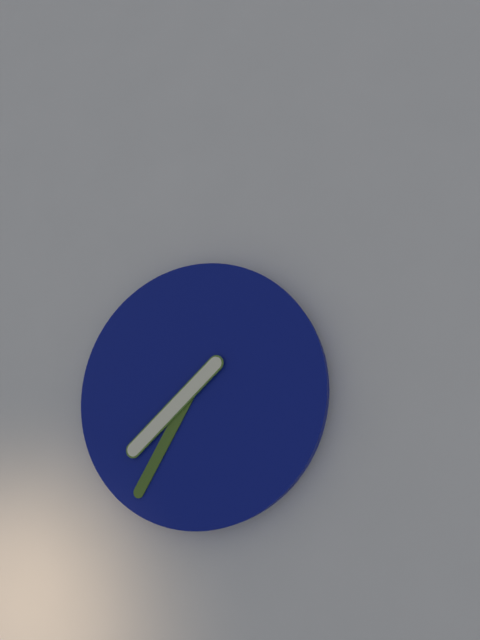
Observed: 7:35
